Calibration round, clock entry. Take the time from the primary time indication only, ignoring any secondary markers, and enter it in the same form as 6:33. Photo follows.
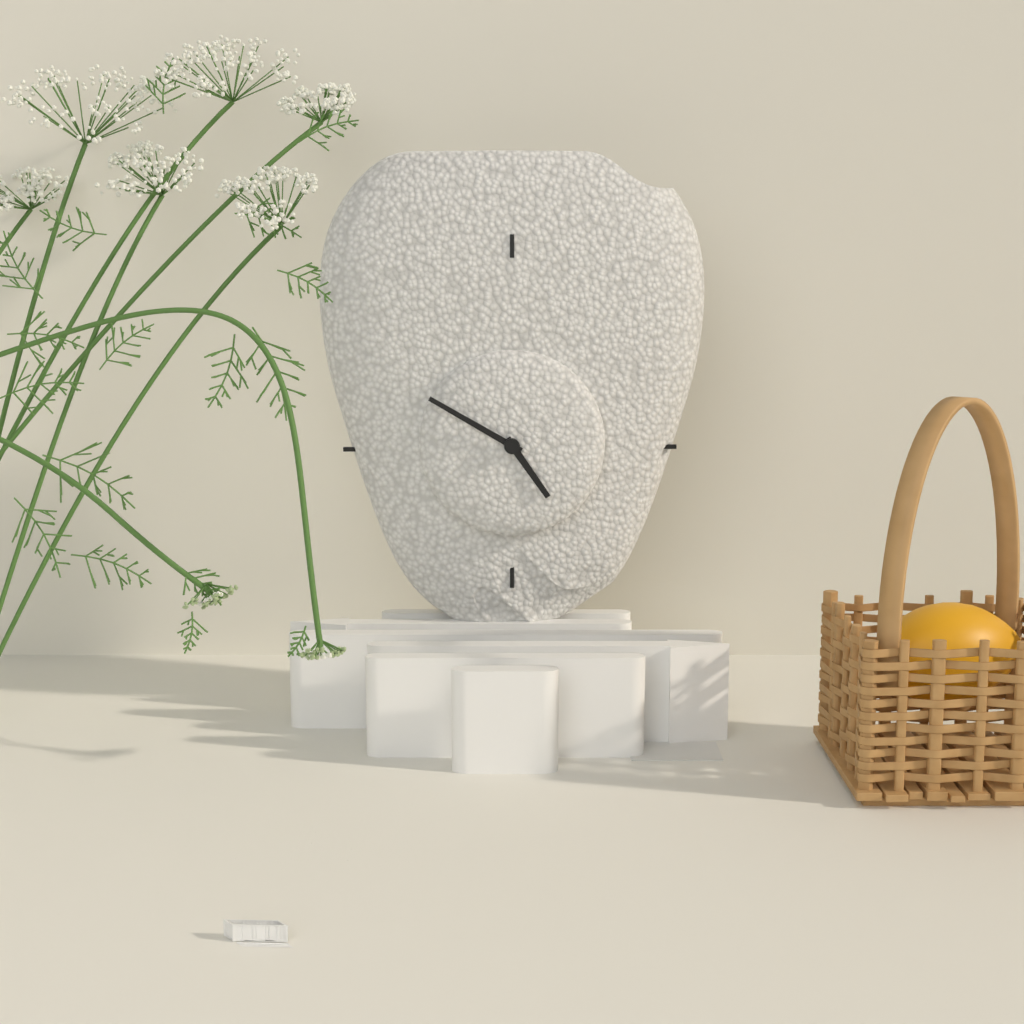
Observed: 4:50
